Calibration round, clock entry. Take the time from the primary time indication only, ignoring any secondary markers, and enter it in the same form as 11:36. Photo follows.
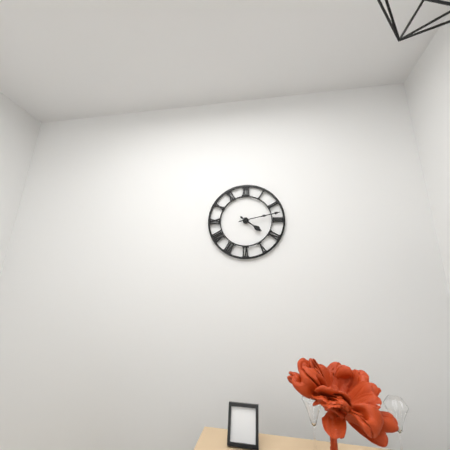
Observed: 4:13
